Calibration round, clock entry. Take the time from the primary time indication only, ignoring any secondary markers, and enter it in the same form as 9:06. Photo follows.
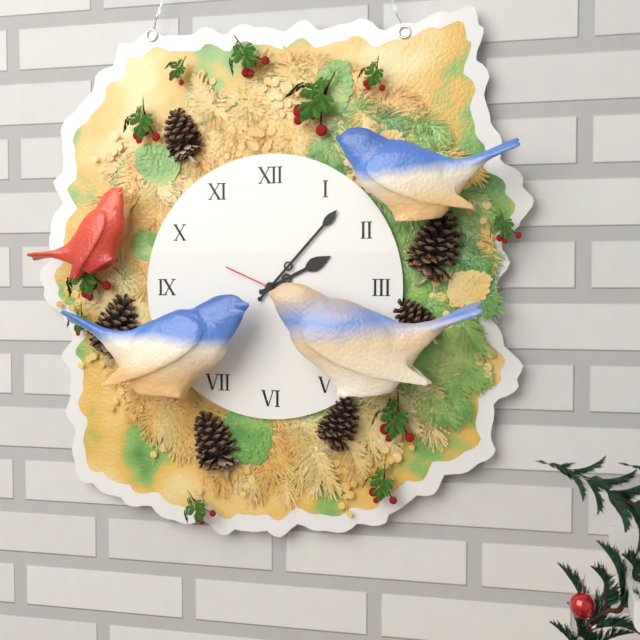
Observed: 2:07
